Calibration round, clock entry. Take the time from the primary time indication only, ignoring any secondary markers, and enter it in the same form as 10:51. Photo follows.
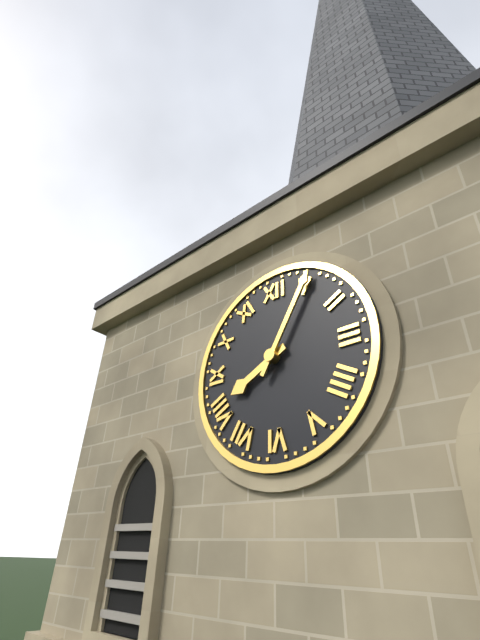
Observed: 8:05
